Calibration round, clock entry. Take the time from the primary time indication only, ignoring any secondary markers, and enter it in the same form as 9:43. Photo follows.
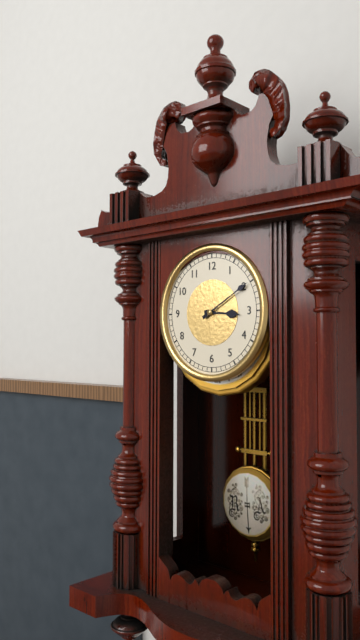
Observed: 3:10
